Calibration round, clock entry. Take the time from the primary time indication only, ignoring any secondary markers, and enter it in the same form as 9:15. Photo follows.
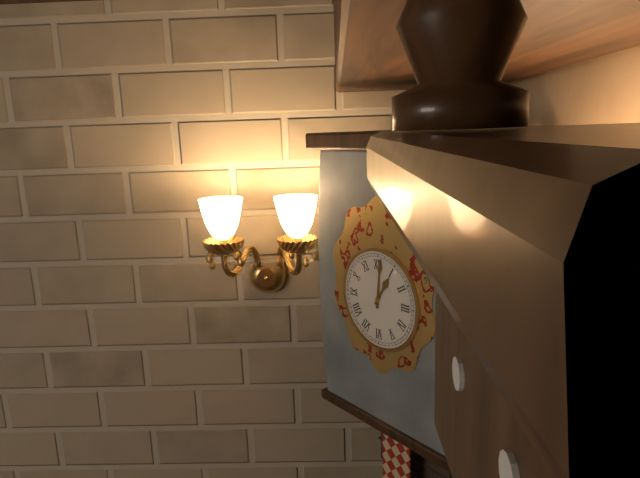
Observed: 1:01
